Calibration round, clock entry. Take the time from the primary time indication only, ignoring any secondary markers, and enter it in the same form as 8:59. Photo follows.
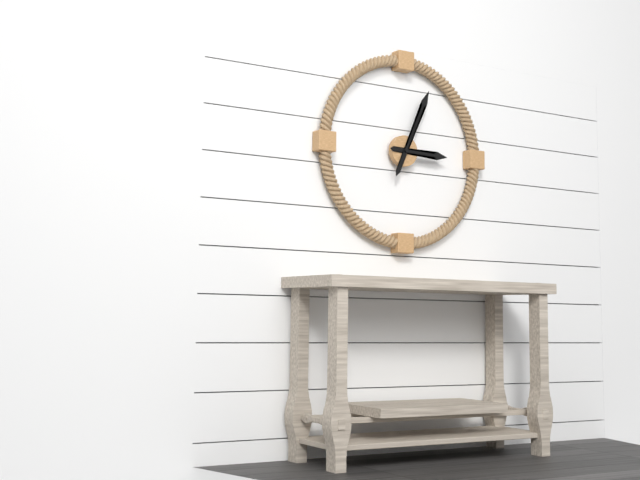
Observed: 3:04
